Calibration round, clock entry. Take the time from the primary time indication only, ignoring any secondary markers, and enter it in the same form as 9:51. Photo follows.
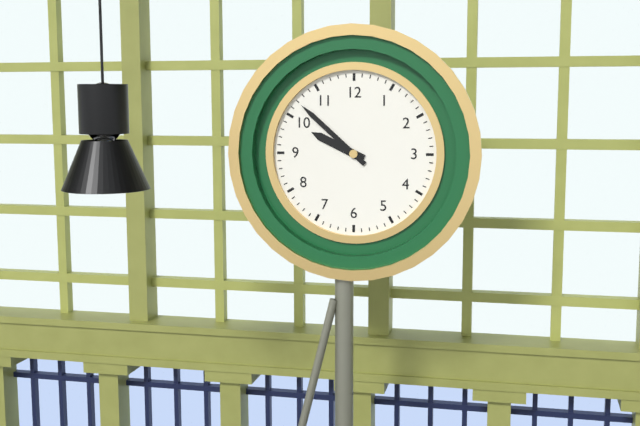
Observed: 9:52
